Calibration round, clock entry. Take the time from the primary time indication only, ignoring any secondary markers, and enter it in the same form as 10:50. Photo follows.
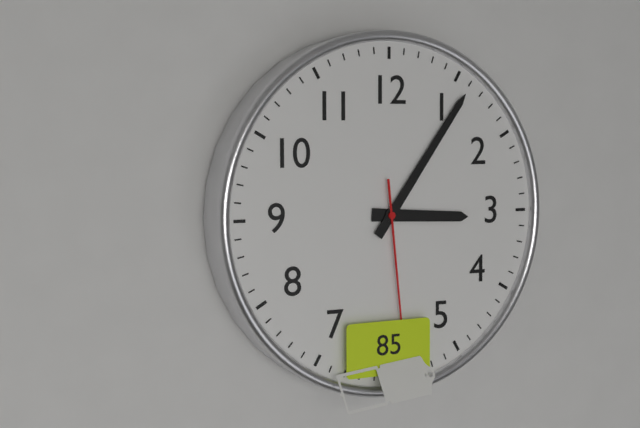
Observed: 3:06
